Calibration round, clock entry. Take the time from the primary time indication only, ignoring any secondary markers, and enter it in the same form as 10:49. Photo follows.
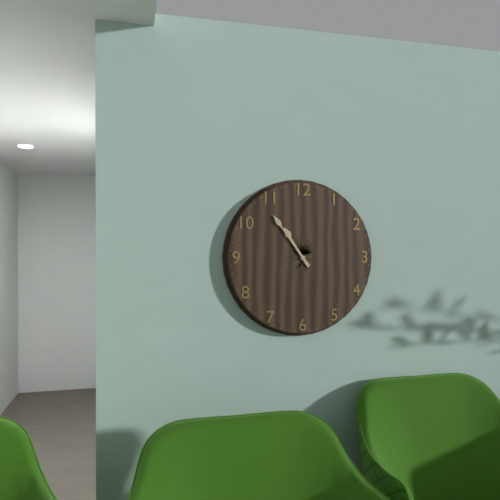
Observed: 10:54
